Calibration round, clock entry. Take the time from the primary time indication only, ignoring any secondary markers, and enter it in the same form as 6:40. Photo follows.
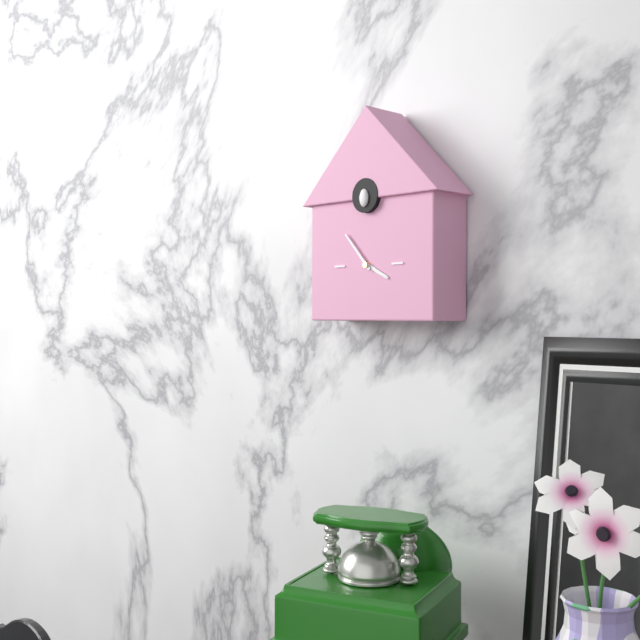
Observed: 3:53
